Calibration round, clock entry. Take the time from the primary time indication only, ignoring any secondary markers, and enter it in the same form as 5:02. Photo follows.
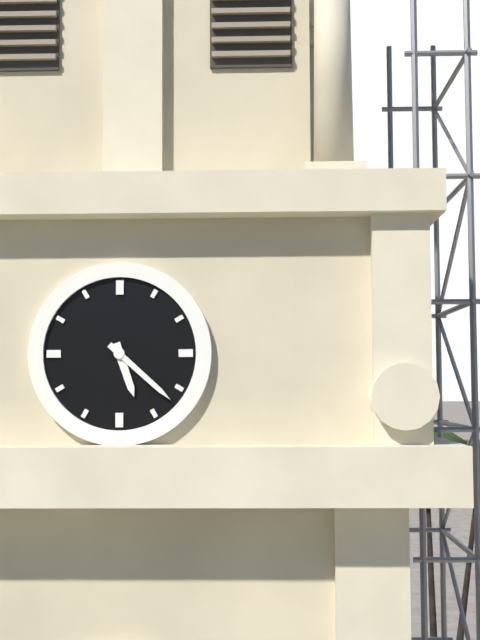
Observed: 5:22
